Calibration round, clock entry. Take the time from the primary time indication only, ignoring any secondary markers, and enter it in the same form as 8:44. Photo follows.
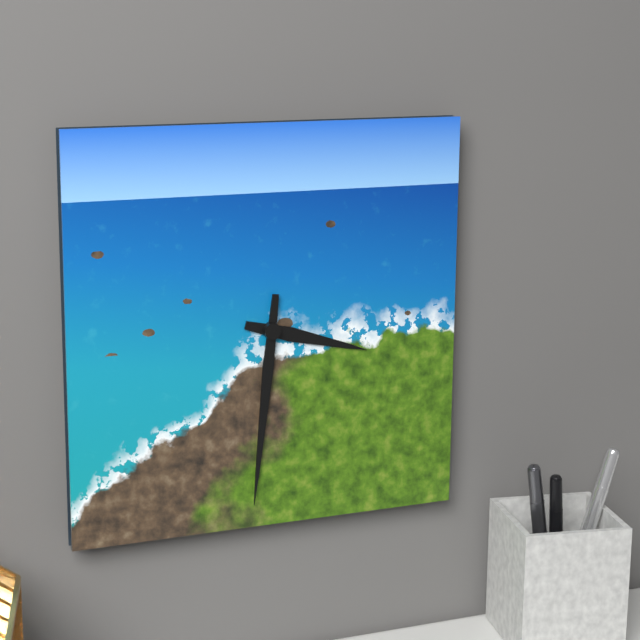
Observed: 3:31
